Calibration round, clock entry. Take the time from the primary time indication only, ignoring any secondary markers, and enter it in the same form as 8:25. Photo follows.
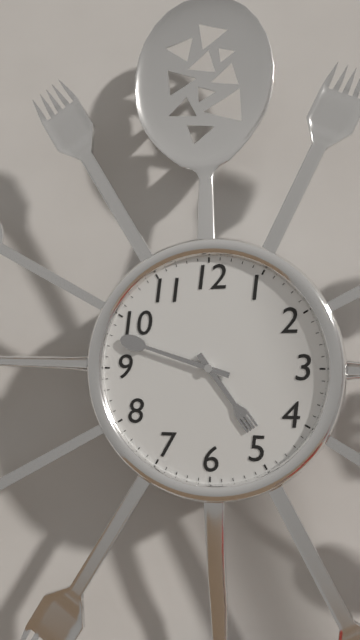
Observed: 4:48
